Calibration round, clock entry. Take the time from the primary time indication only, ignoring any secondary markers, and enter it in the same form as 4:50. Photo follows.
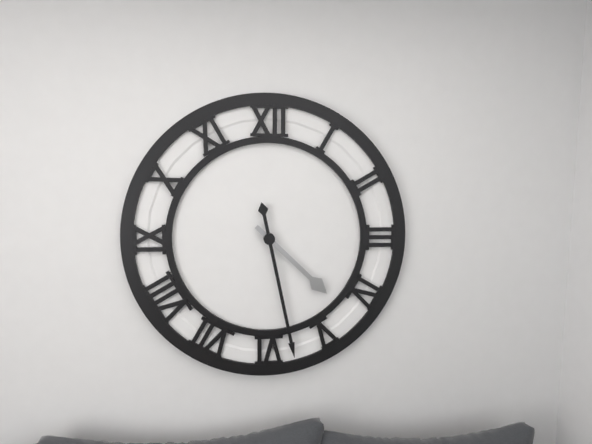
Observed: 4:28
